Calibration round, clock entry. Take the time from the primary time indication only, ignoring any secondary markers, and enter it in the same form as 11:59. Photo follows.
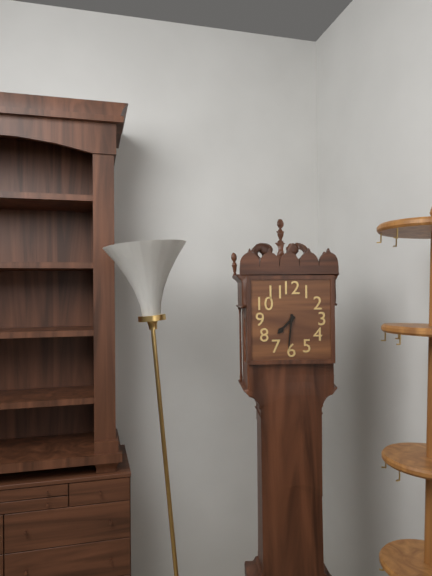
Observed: 7:31
